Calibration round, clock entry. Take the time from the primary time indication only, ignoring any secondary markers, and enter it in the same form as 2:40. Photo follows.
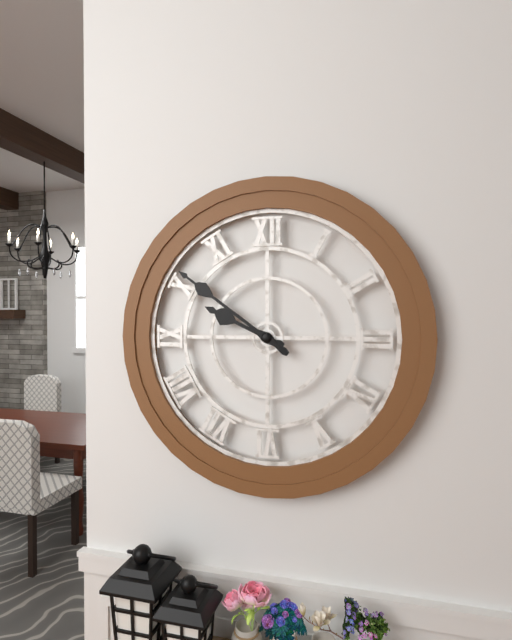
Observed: 9:51
